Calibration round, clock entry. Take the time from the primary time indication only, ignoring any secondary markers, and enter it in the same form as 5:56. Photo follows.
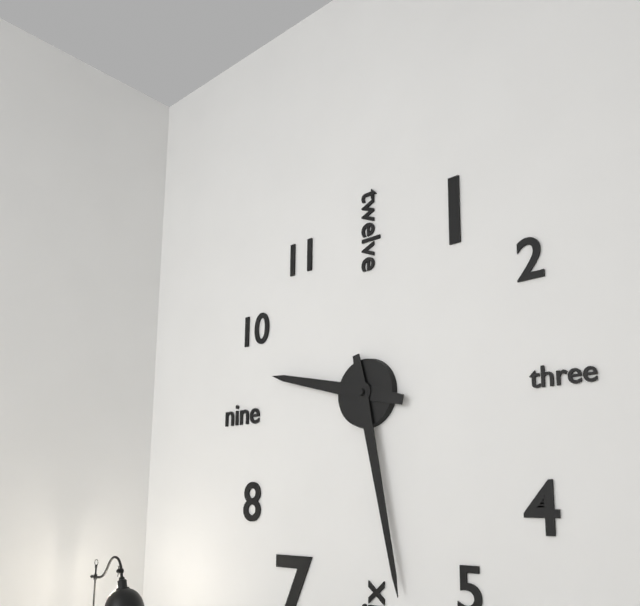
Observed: 9:28
